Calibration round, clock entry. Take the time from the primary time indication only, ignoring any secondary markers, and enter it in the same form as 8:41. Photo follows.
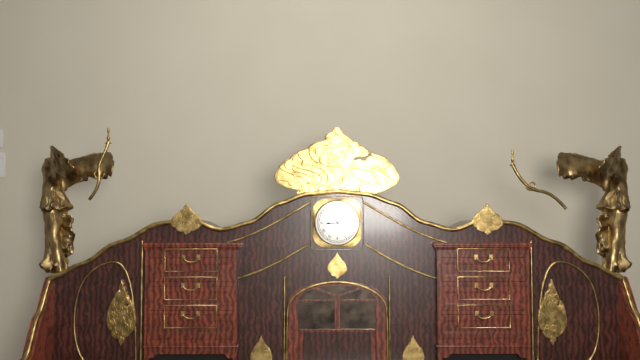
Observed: 8:54
